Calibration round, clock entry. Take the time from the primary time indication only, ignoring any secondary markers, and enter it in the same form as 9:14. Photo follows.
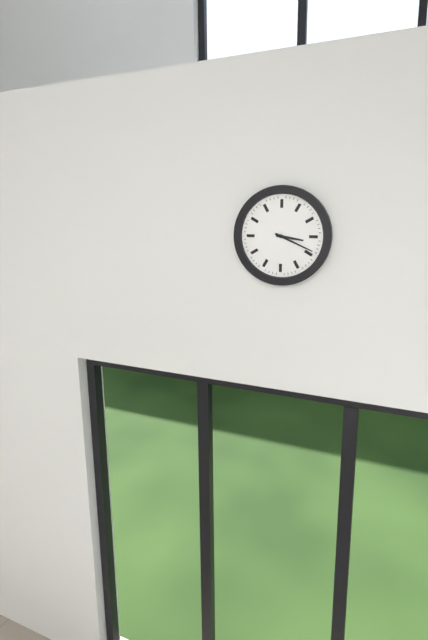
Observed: 3:19
